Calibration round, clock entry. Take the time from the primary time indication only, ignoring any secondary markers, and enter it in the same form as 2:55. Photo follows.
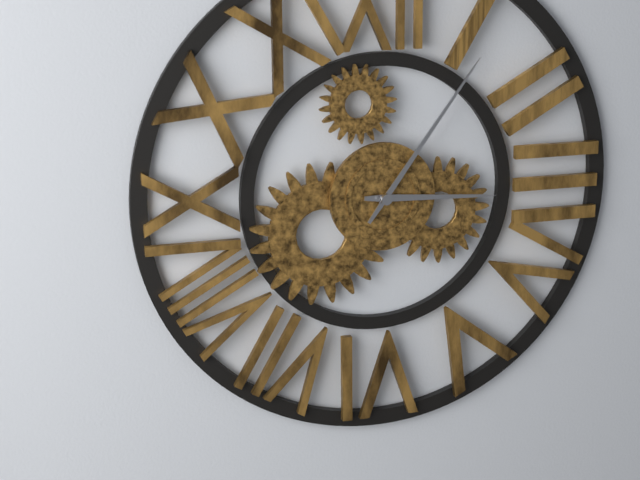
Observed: 3:06
